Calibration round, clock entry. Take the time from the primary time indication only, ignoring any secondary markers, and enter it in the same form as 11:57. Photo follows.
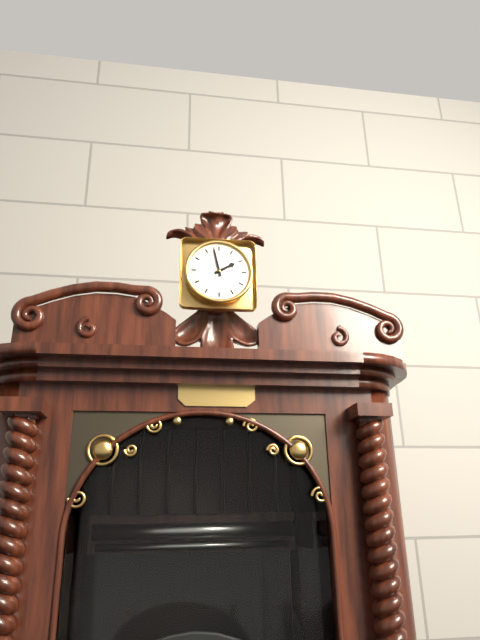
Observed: 1:58
